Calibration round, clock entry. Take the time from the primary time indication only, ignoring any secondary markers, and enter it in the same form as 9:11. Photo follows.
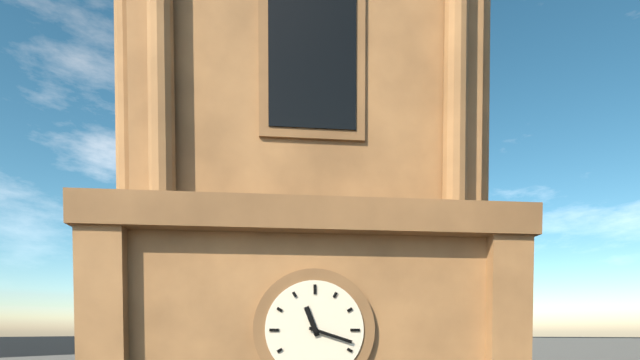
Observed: 11:18
